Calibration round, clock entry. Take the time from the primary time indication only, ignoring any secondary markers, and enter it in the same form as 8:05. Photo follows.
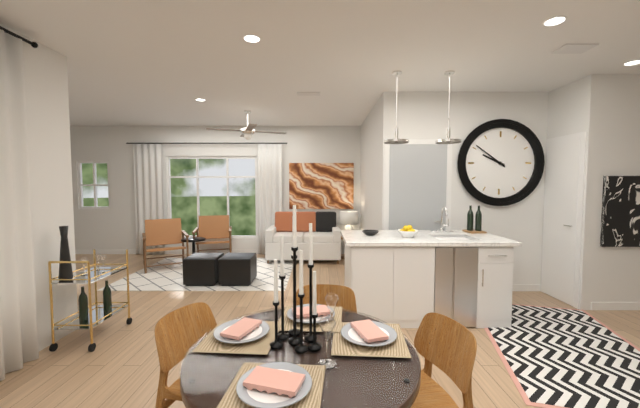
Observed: 9:51
